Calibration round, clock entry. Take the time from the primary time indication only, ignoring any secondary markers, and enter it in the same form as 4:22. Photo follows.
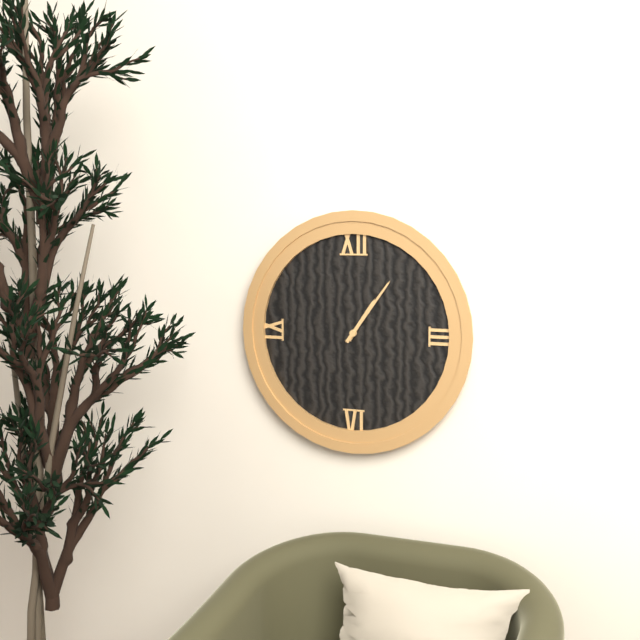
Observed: 1:06
